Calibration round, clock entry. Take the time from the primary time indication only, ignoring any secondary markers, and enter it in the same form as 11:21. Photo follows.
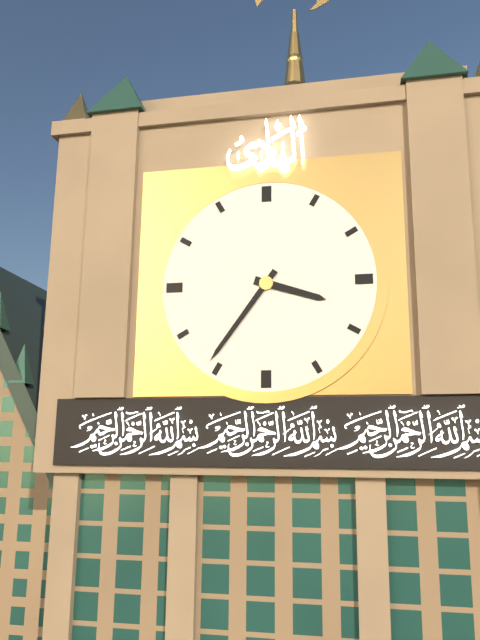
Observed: 3:36
